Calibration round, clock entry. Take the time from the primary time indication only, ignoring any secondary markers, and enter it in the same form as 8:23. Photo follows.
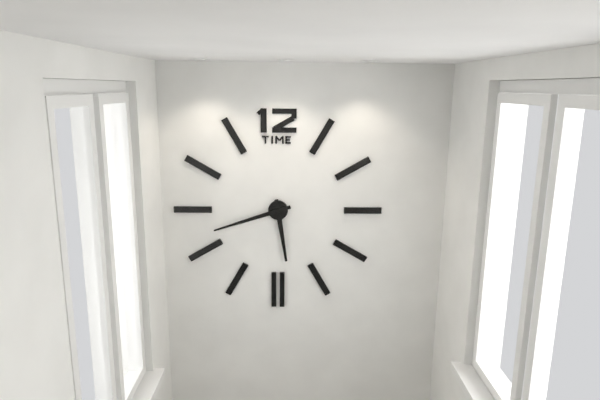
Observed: 5:42
